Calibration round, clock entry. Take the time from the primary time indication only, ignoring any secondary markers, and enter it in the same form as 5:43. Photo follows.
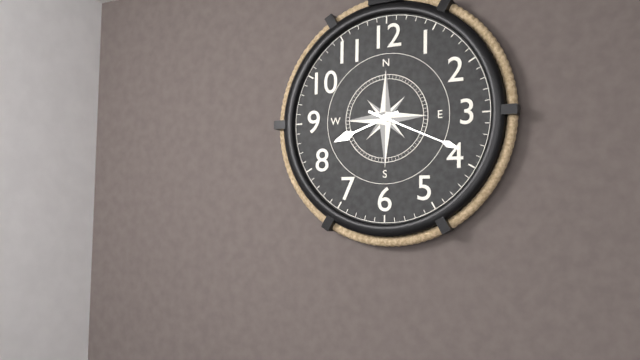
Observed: 8:19
